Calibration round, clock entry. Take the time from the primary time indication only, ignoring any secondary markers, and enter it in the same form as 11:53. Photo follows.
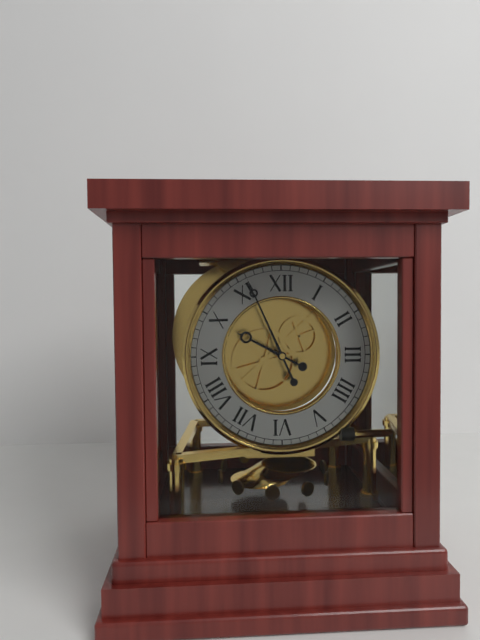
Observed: 9:56
